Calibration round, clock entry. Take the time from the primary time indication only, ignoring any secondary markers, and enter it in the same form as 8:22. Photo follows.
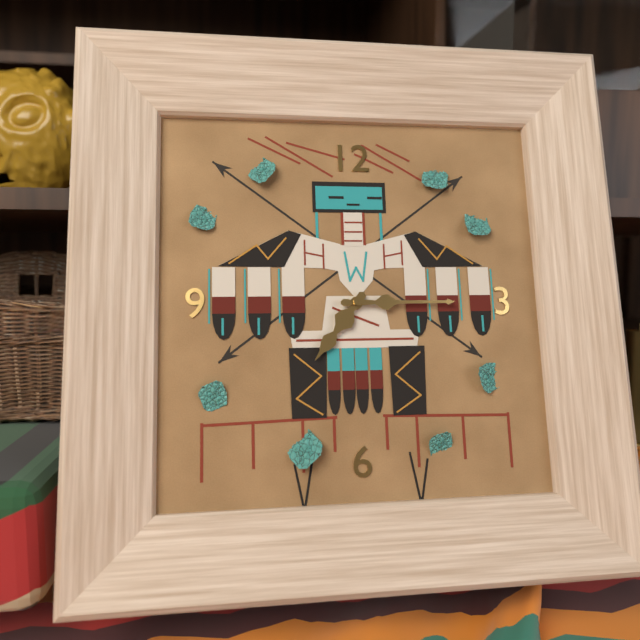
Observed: 7:15
